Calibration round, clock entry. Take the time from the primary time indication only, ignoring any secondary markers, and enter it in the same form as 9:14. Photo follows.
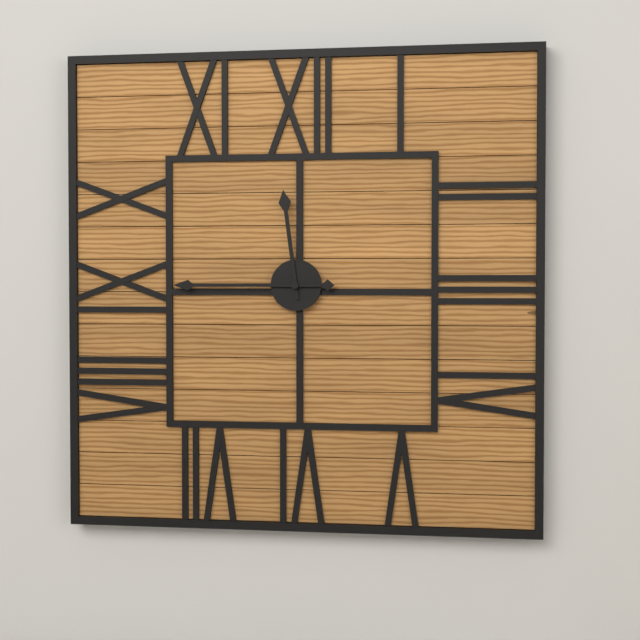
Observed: 11:45
